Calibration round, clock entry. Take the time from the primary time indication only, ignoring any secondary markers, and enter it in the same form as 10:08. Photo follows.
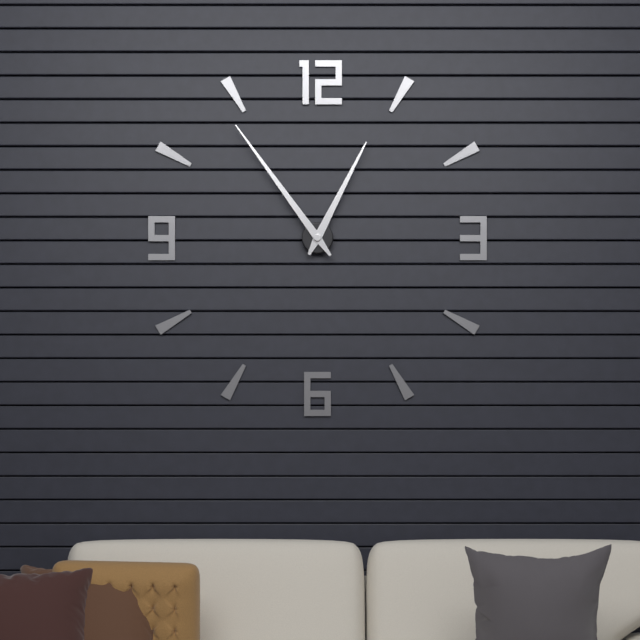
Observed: 12:54
